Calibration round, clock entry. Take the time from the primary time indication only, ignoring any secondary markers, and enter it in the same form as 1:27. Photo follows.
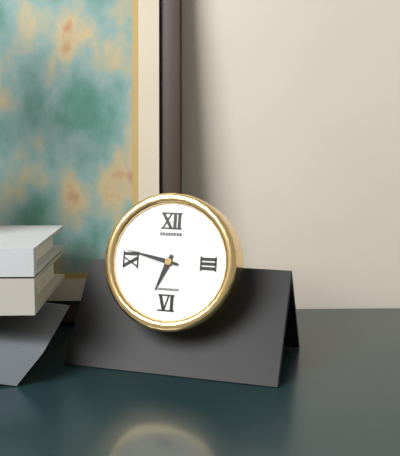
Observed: 6:47
